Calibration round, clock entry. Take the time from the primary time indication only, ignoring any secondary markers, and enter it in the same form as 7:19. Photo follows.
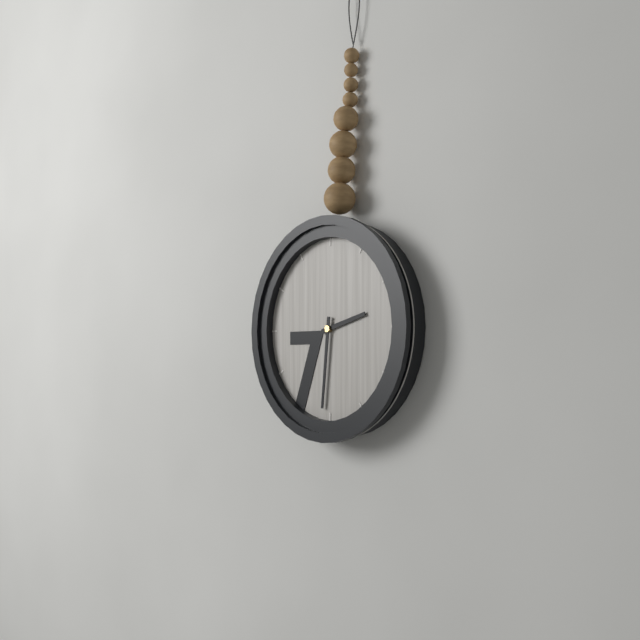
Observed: 2:31
